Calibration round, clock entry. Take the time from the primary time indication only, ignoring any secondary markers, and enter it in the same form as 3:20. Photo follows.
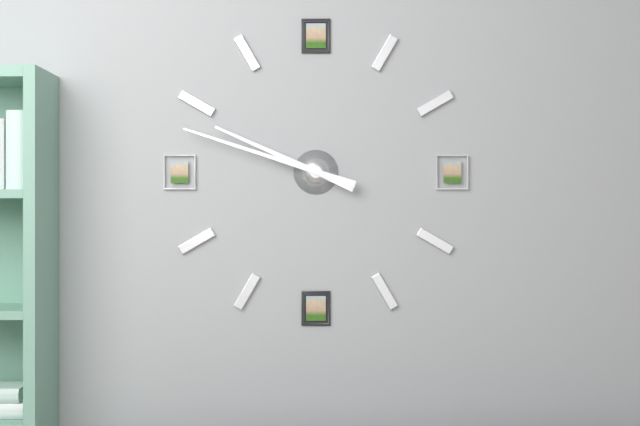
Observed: 9:48
